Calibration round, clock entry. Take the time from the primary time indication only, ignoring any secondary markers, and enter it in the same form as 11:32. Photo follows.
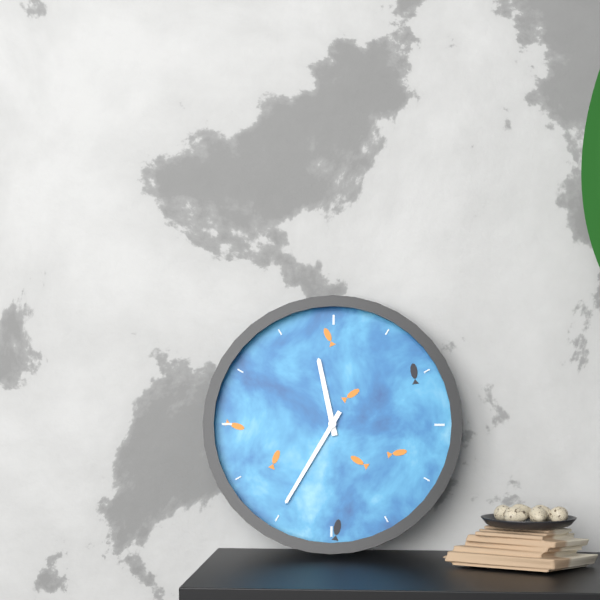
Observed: 11:35
